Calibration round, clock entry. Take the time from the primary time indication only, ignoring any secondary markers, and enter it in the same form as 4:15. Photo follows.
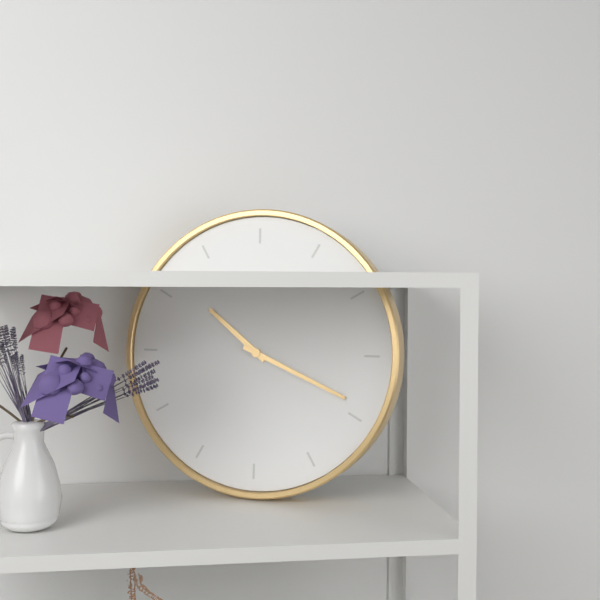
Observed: 10:19
